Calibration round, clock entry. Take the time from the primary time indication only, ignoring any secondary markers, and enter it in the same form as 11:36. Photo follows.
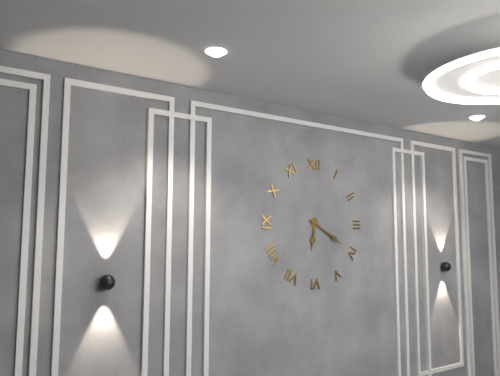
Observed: 6:20
